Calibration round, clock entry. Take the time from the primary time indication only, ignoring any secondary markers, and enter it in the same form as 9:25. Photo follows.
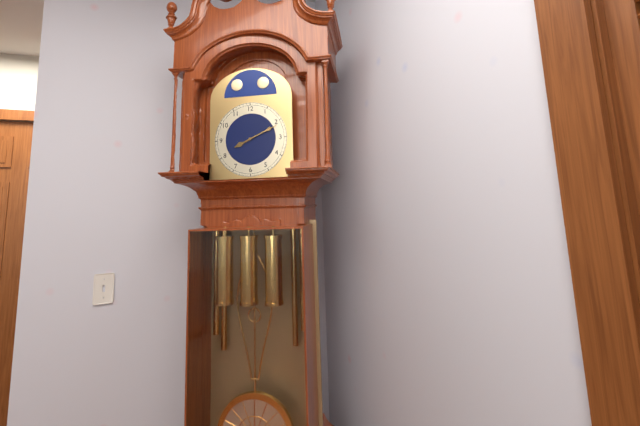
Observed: 8:11
